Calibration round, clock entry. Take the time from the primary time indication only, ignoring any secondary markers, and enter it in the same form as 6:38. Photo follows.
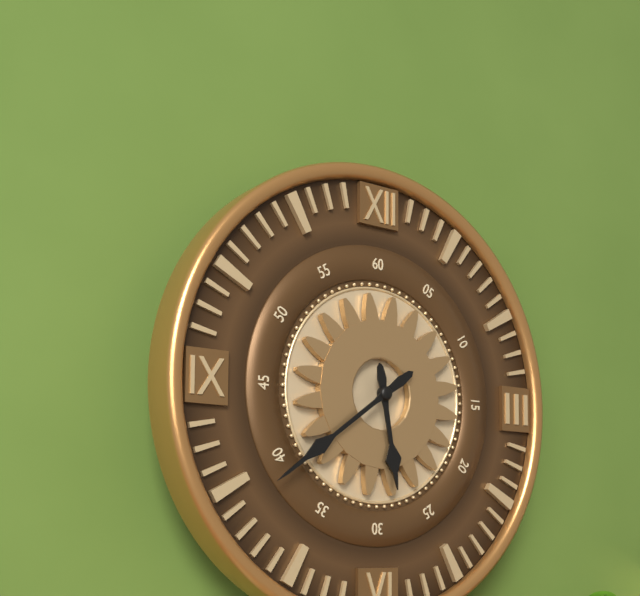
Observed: 5:39
